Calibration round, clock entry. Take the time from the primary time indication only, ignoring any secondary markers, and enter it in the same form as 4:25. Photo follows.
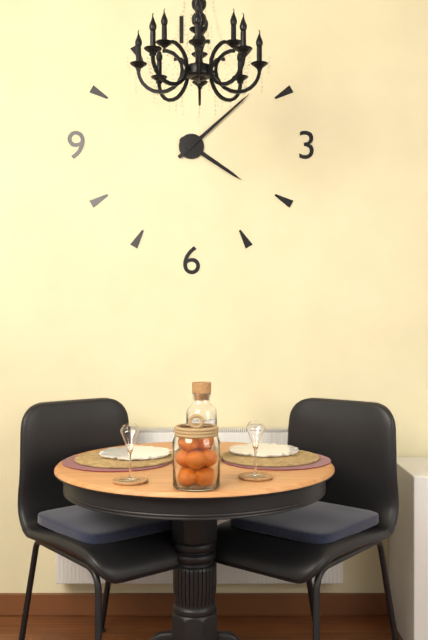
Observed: 4:08
